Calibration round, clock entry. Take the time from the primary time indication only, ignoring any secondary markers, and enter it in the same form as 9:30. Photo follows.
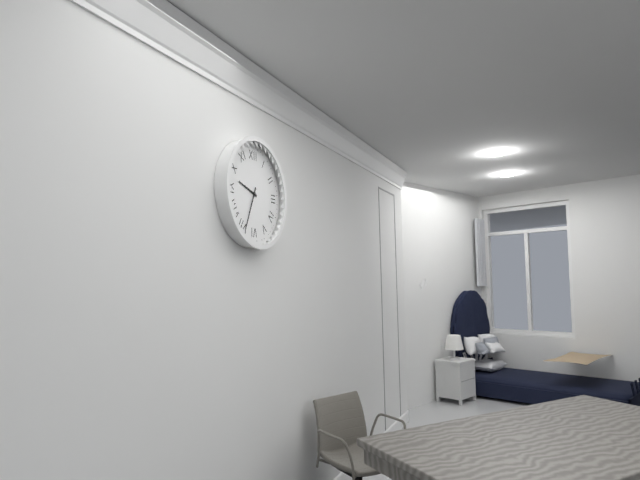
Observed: 9:34
